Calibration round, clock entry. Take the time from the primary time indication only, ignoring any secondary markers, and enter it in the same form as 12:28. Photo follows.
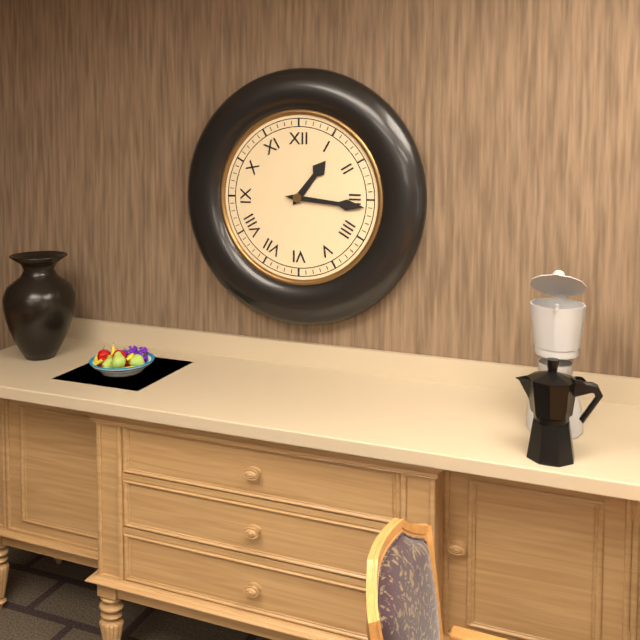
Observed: 1:16
